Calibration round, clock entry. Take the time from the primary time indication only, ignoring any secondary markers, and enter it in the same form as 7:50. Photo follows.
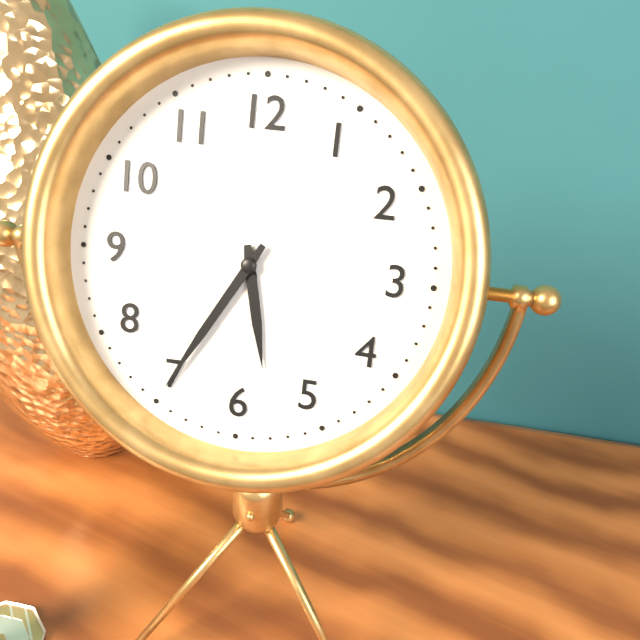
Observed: 5:35
